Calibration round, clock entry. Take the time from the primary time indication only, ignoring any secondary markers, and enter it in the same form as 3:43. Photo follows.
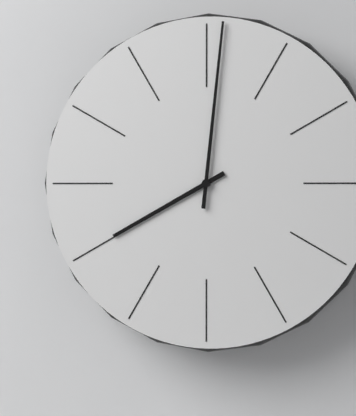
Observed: 8:01
